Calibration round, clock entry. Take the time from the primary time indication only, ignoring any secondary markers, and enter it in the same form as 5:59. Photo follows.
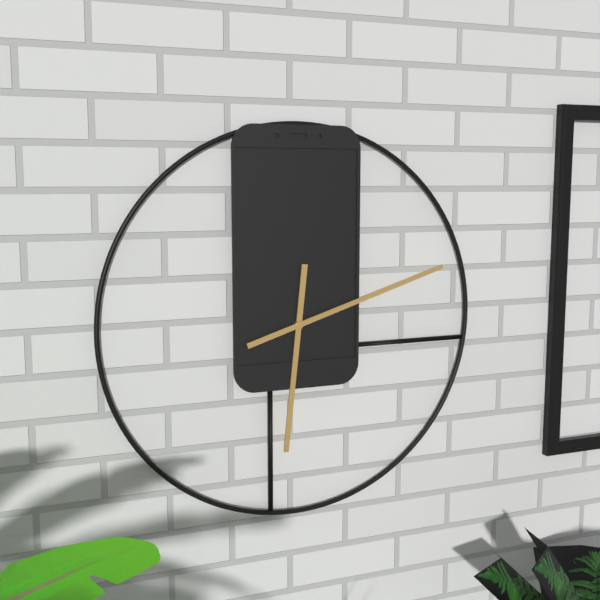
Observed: 6:12
